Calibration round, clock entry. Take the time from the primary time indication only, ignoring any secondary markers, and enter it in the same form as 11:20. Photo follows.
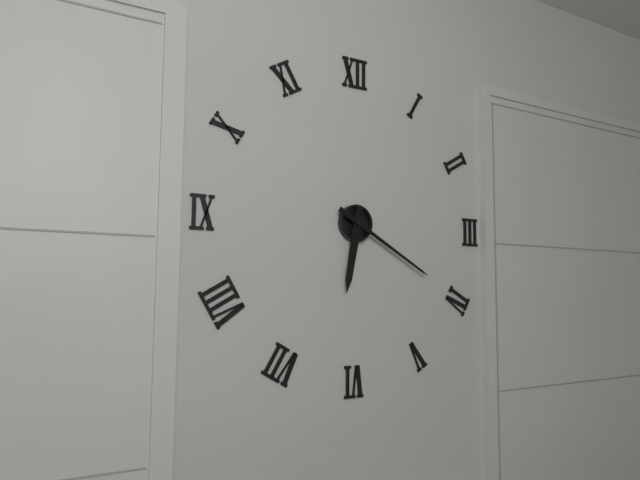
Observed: 6:20
